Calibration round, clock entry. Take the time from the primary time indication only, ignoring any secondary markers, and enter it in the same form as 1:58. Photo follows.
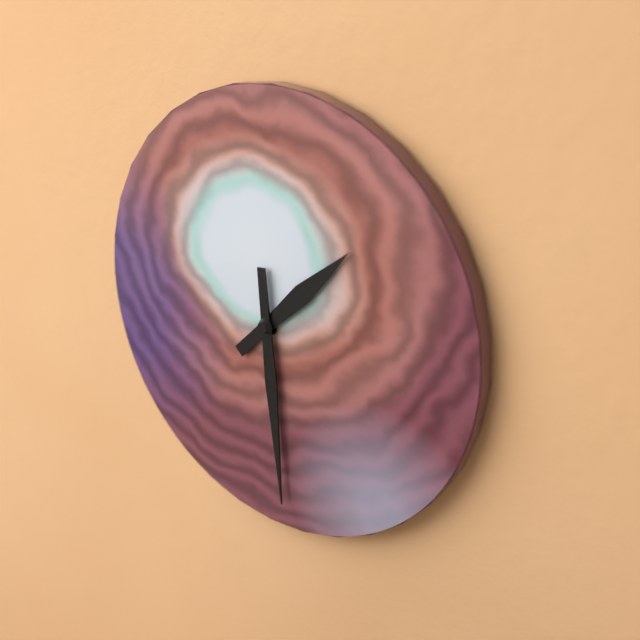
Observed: 1:29
